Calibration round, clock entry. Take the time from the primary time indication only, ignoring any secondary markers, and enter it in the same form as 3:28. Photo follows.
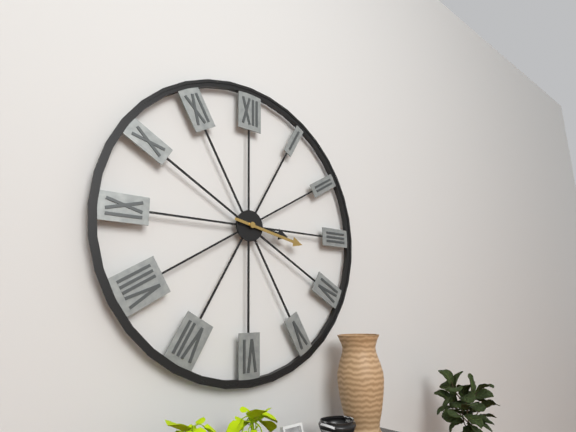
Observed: 3:17
